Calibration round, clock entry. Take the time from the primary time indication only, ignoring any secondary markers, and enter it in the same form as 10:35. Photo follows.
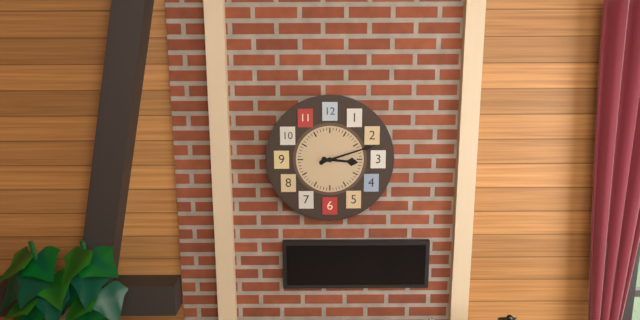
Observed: 3:12
